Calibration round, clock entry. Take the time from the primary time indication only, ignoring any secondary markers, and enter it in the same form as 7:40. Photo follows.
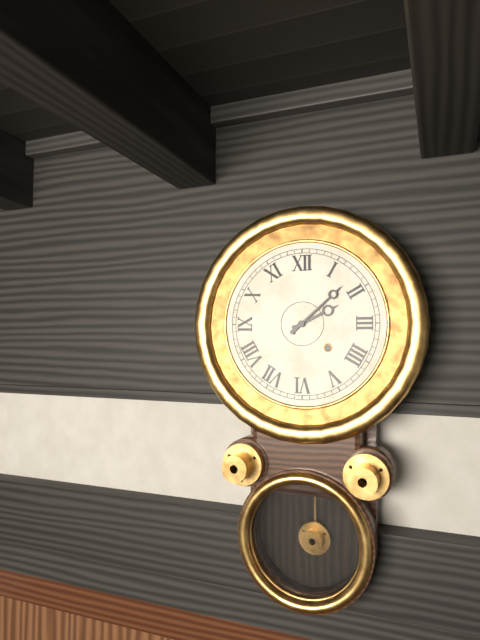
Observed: 2:08
